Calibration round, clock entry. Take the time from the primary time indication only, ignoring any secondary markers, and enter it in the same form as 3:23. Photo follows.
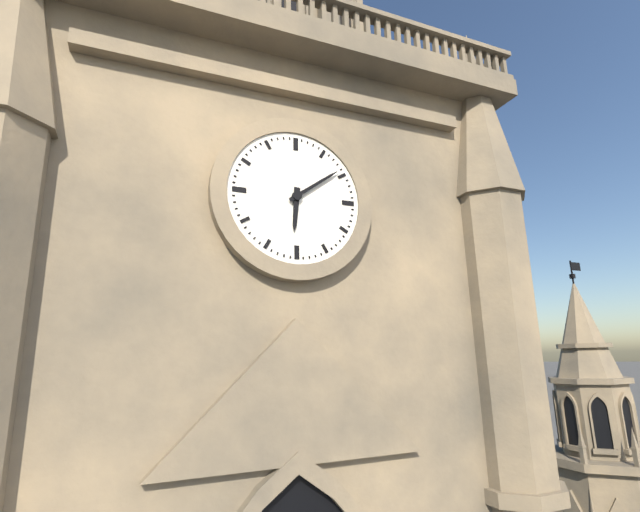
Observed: 6:09
